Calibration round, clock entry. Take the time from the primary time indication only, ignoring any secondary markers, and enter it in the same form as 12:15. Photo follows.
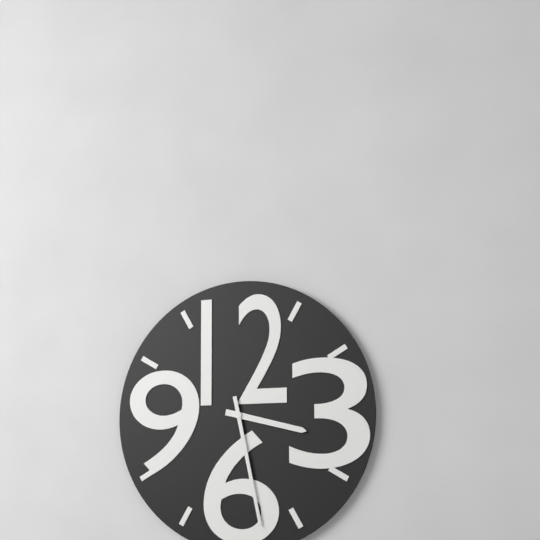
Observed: 3:28
